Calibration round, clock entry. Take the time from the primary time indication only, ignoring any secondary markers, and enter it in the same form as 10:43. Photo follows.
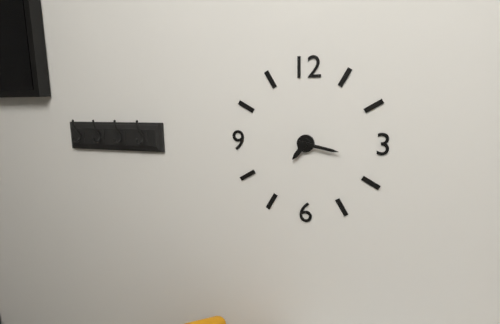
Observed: 7:17
